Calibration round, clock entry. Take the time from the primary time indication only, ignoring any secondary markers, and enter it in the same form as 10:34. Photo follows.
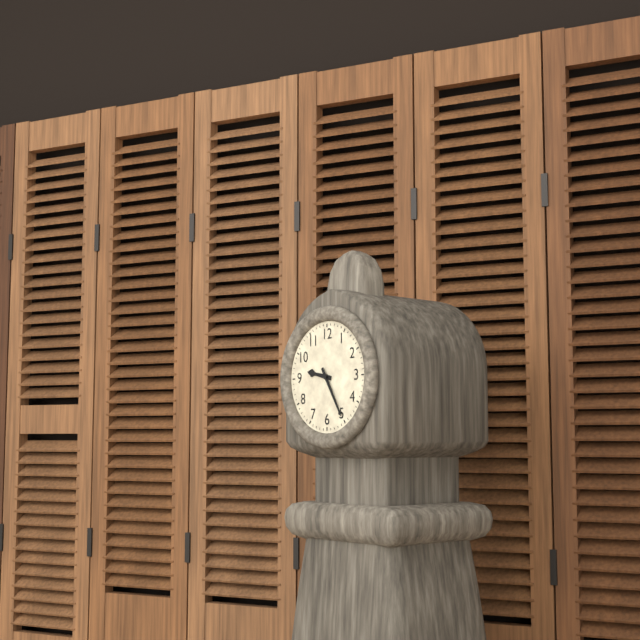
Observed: 9:25
